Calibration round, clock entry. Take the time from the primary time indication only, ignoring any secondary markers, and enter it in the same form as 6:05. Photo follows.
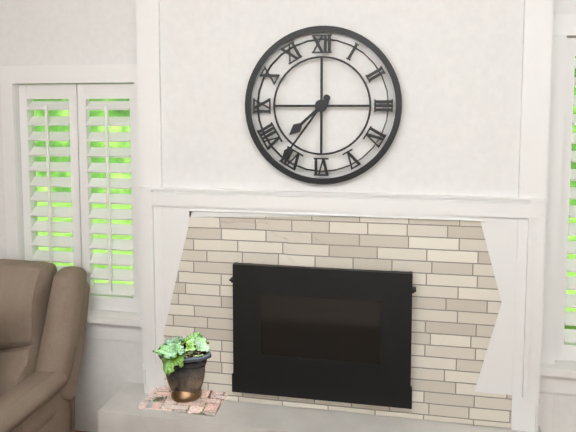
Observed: 7:36
